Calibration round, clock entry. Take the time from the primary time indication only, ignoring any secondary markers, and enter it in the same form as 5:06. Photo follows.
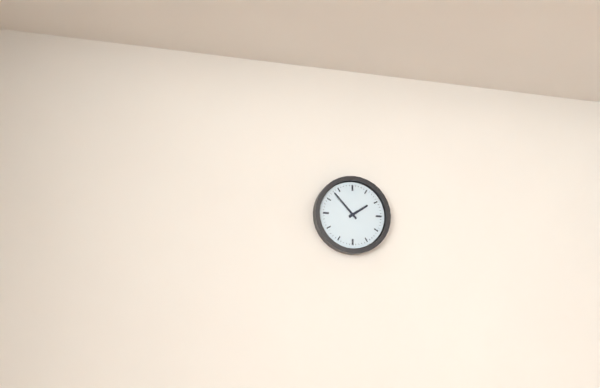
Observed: 1:53
